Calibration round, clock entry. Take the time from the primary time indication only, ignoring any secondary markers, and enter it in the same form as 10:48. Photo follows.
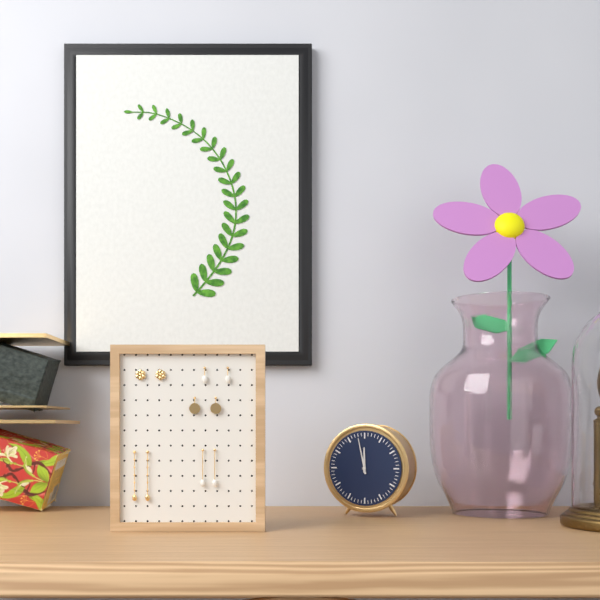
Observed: 11:58
